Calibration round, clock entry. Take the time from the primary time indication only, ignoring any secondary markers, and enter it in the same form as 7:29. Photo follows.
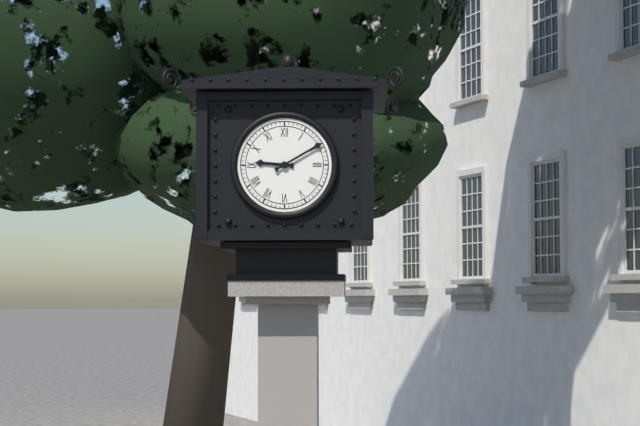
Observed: 9:10
